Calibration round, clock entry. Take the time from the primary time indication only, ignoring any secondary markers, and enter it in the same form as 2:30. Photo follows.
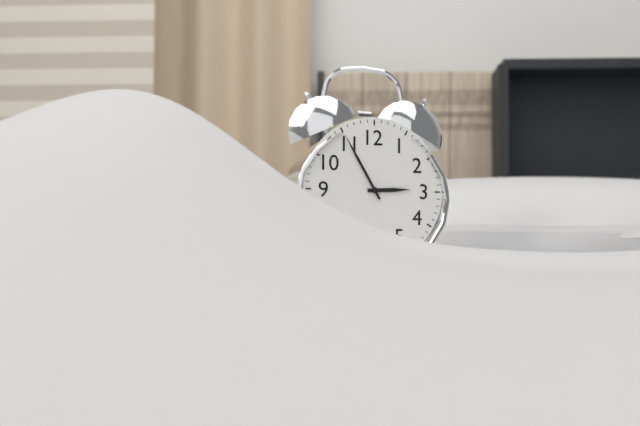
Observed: 2:55
